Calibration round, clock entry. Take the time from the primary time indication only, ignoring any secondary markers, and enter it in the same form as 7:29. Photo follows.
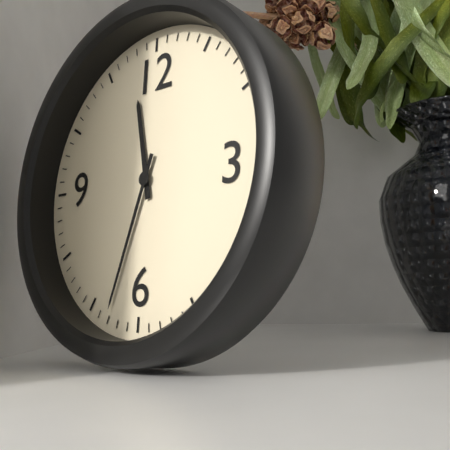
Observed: 11:33
